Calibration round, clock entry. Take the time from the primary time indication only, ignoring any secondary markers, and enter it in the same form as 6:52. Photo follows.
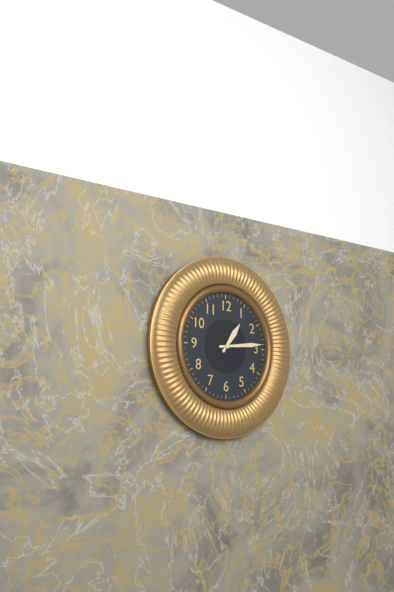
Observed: 1:14
